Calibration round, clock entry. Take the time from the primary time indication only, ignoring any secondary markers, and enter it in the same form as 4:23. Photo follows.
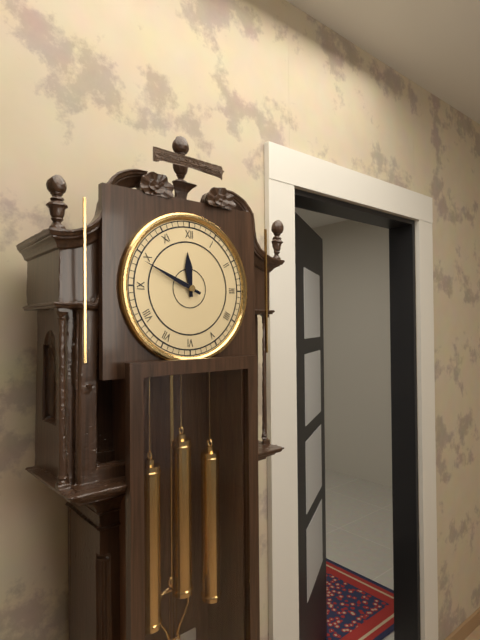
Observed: 11:49
